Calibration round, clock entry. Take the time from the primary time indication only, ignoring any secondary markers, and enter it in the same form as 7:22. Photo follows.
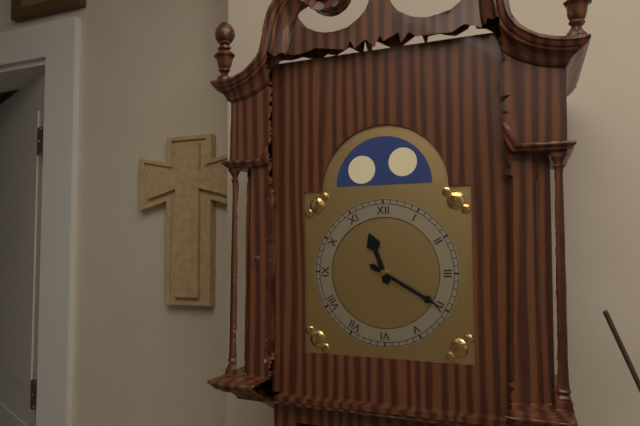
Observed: 11:20
